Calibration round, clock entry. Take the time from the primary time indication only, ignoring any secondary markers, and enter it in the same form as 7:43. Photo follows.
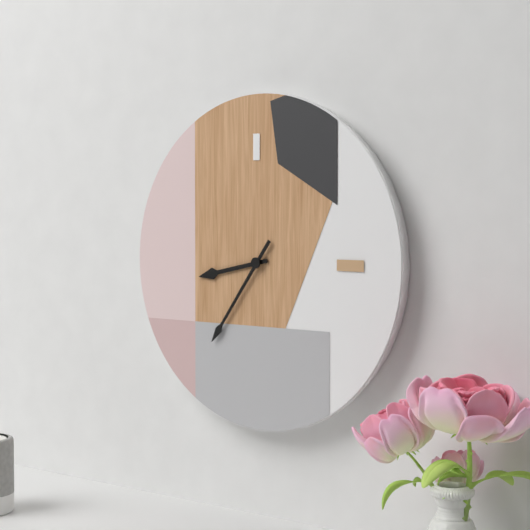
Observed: 8:36
